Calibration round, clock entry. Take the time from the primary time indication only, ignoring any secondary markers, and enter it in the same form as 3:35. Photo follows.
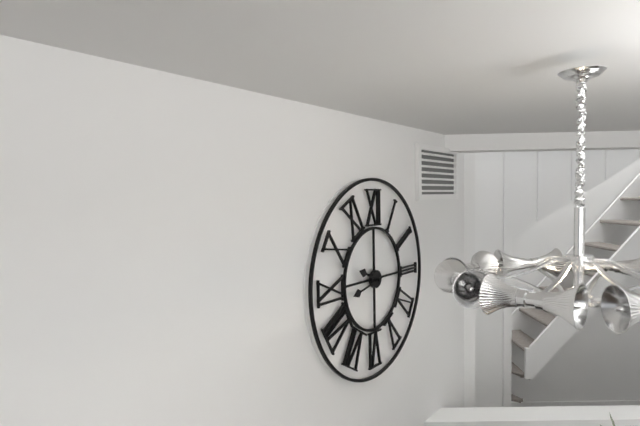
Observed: 9:43
